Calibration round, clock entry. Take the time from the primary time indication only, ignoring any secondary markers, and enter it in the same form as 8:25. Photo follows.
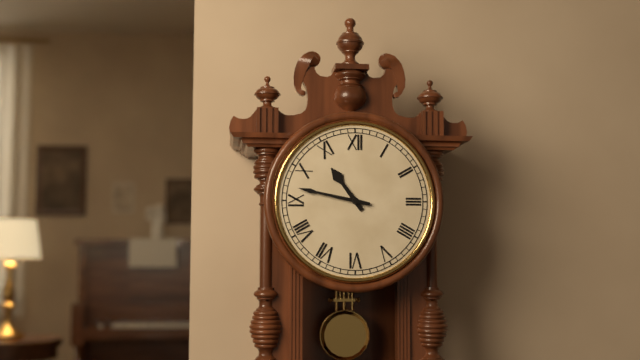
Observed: 10:47
